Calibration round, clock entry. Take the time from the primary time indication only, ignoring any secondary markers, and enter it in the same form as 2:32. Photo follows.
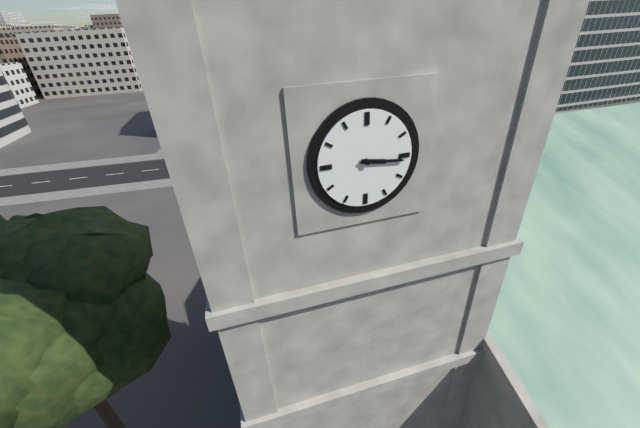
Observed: 3:16
